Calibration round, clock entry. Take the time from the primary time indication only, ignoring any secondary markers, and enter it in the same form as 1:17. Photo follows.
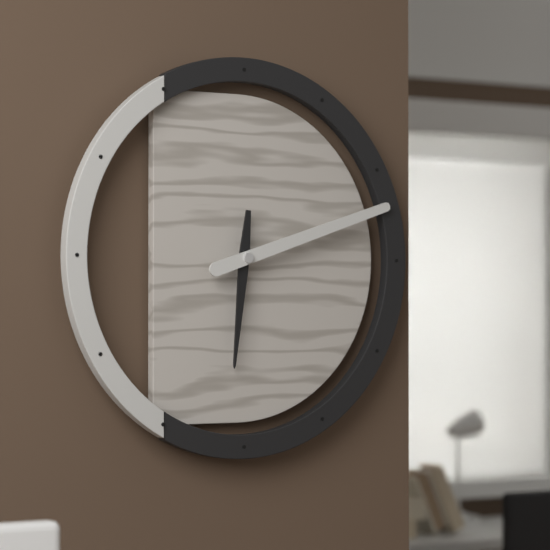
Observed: 6:12
